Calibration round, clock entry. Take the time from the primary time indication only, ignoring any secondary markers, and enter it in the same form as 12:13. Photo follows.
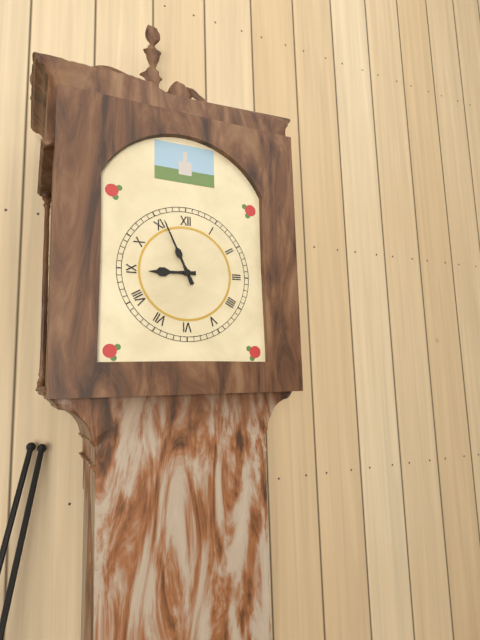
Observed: 8:56
